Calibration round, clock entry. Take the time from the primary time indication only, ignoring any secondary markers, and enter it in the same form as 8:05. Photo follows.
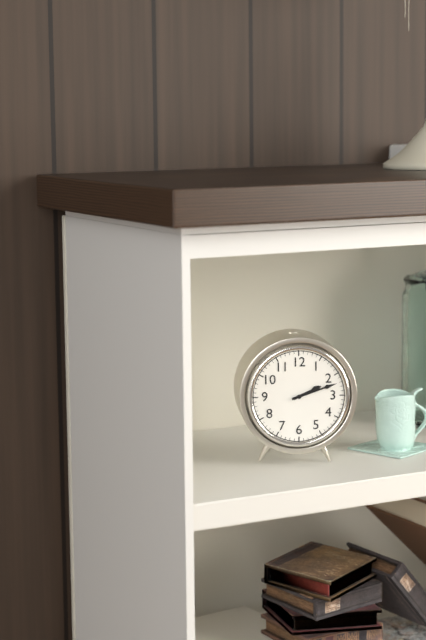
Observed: 2:12
